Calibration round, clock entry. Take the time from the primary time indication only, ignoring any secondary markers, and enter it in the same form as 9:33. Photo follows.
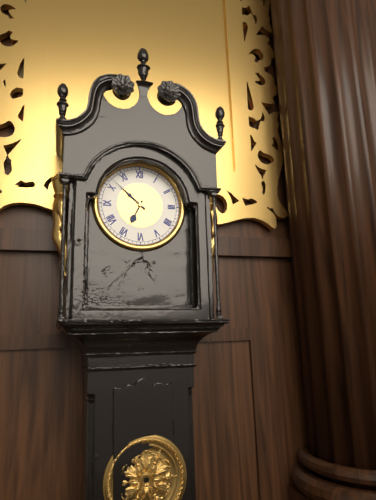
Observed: 6:52
